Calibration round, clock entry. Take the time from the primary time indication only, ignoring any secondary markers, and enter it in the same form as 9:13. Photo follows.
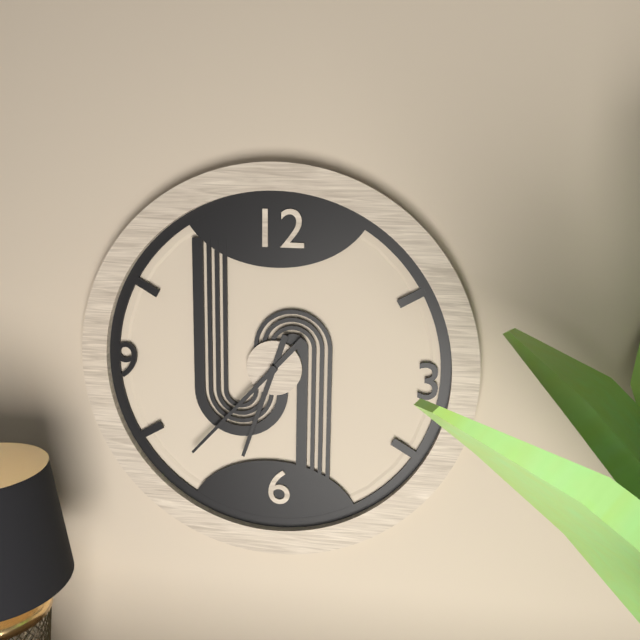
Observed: 6:37
